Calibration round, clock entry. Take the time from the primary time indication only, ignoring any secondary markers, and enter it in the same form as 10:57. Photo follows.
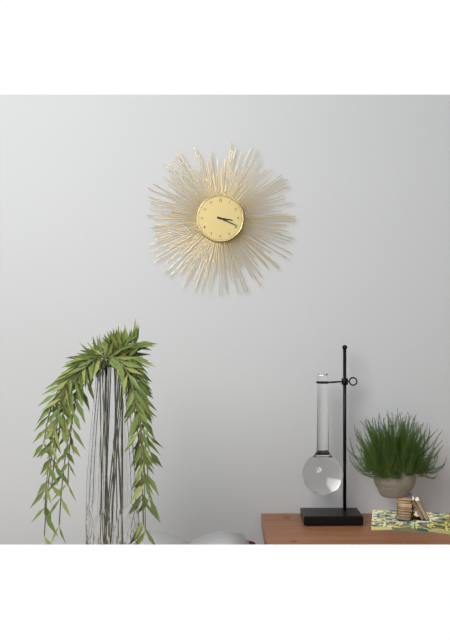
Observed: 3:19
